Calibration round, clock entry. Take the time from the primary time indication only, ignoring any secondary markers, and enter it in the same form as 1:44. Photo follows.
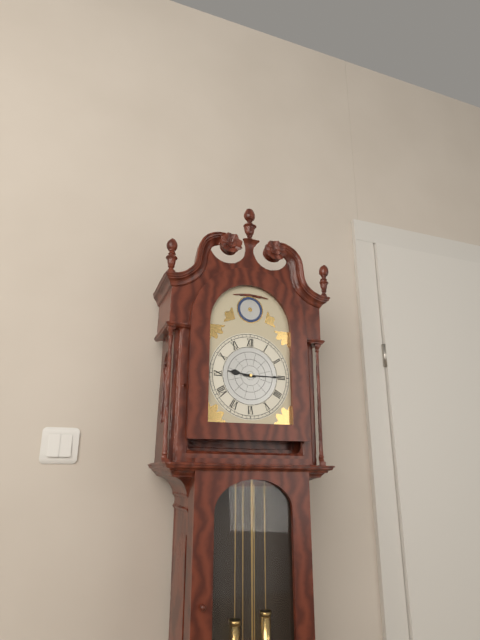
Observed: 9:15
